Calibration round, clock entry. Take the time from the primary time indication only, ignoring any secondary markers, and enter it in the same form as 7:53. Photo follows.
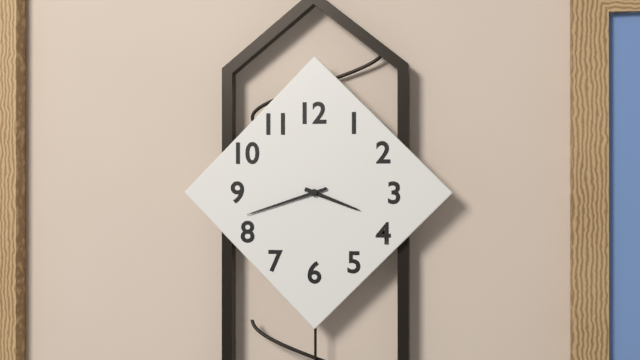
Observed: 3:42
